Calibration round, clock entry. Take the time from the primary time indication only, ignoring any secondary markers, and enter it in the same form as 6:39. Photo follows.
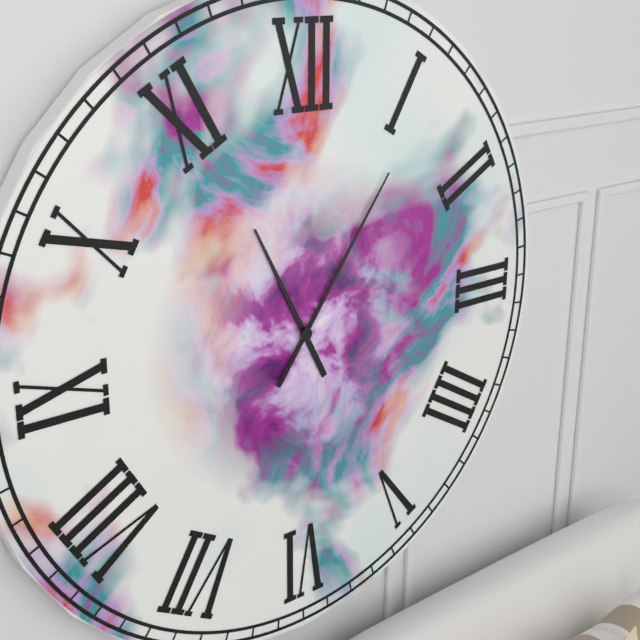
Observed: 11:06
